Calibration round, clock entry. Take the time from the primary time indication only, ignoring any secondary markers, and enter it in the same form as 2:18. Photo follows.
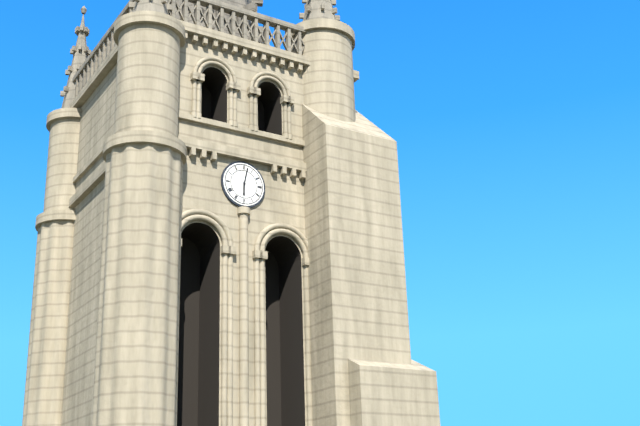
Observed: 6:02
